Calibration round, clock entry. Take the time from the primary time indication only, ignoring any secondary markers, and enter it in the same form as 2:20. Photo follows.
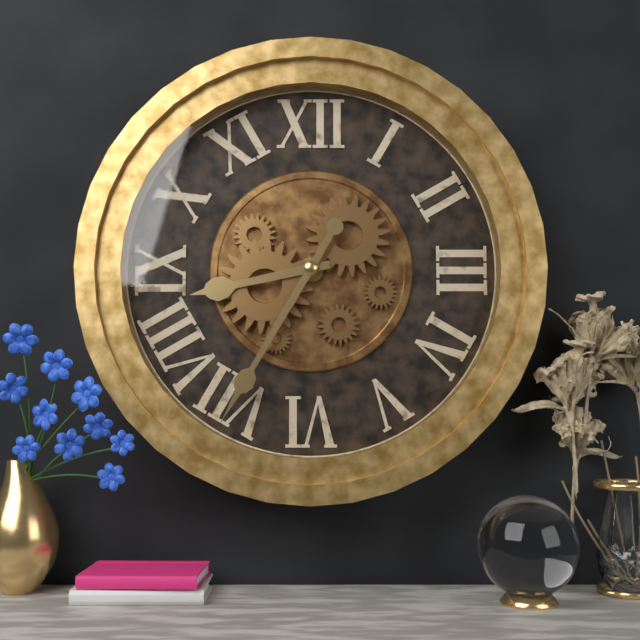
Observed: 8:35
